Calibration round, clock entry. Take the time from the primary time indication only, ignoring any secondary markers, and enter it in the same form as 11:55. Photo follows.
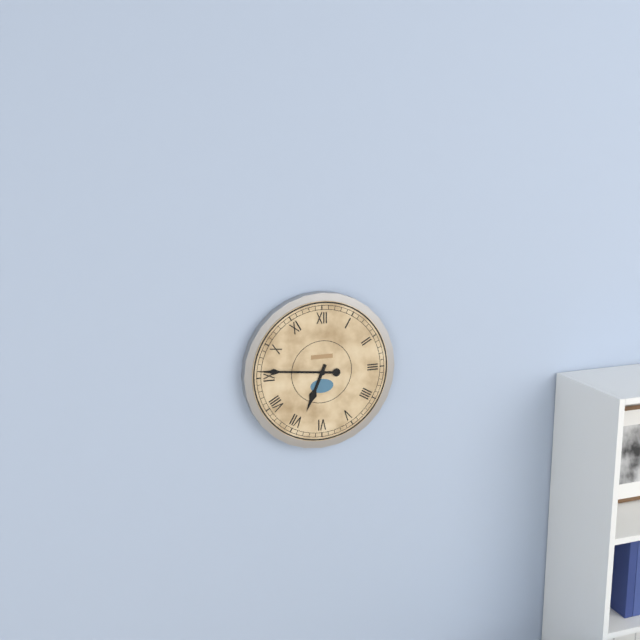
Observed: 6:46
